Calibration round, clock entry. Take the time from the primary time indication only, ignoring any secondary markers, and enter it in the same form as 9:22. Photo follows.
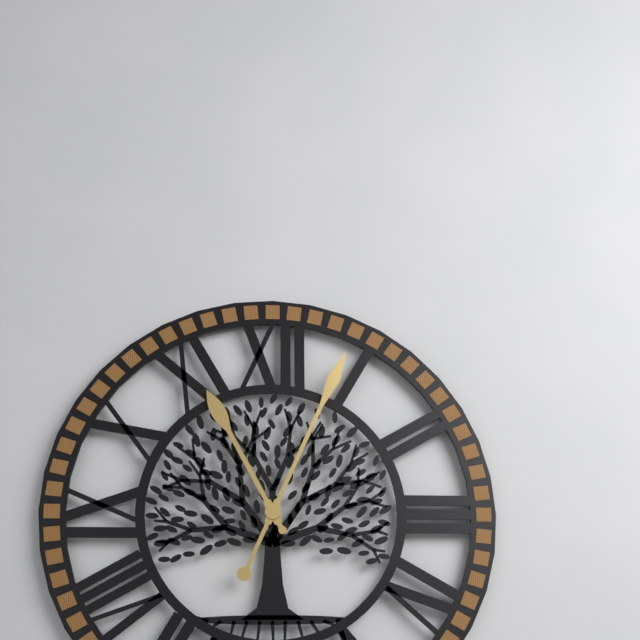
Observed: 11:04
